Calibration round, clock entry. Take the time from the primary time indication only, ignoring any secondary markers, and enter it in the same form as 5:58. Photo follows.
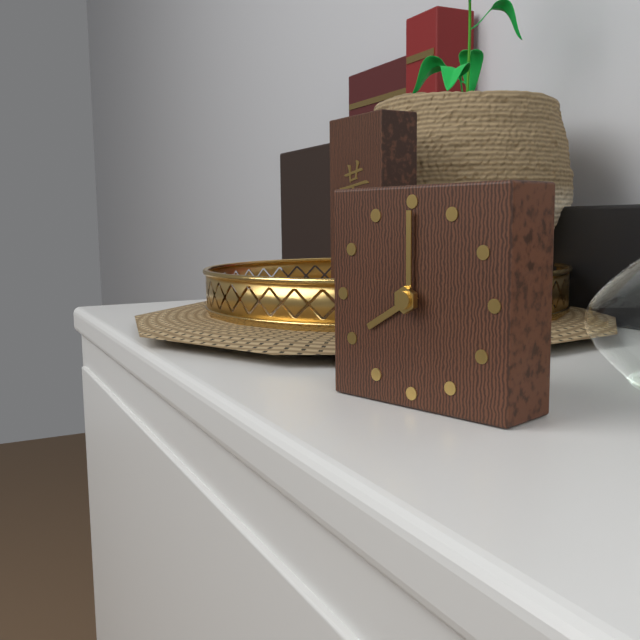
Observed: 8:00
